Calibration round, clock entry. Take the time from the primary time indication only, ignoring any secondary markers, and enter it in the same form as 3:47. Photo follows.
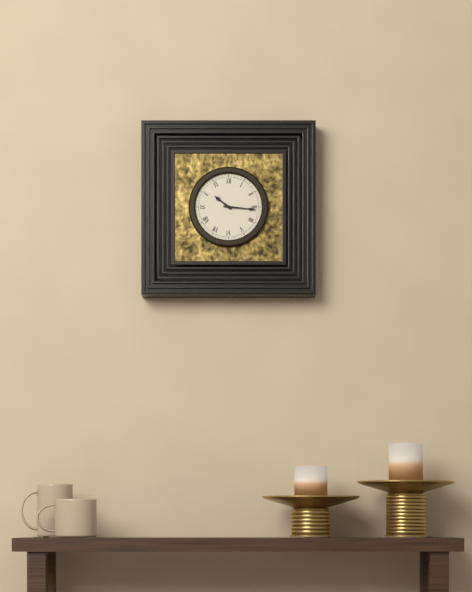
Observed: 10:16
